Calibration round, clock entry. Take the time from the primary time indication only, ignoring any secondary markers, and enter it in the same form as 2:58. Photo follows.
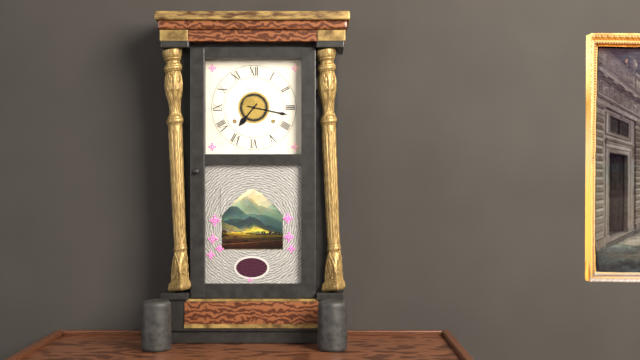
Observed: 7:17
